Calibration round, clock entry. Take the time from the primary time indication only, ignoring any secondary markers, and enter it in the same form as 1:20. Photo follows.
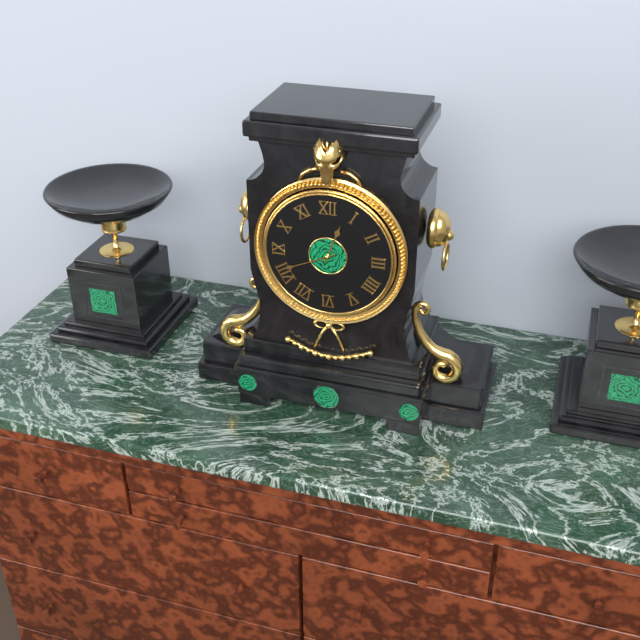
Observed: 12:41
